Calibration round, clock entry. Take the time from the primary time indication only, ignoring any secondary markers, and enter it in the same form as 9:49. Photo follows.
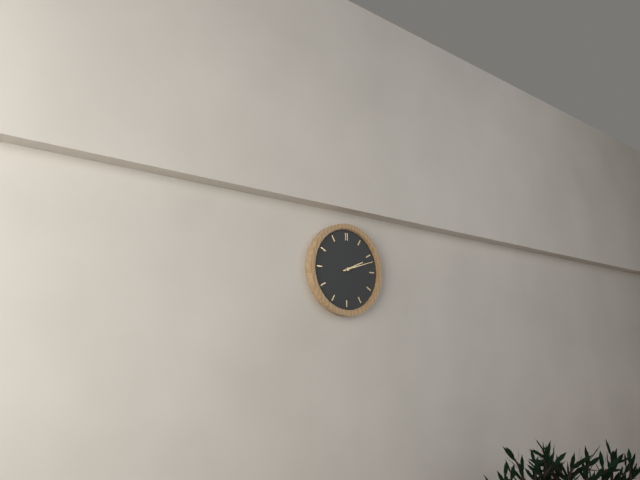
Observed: 2:12
